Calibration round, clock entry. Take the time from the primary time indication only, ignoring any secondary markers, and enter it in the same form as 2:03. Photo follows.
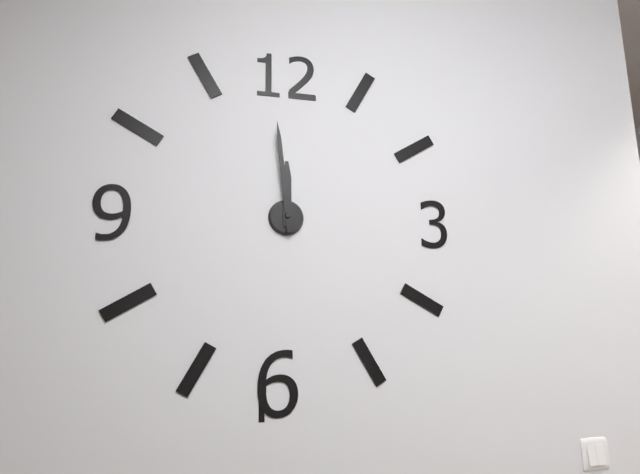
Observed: 11:59
